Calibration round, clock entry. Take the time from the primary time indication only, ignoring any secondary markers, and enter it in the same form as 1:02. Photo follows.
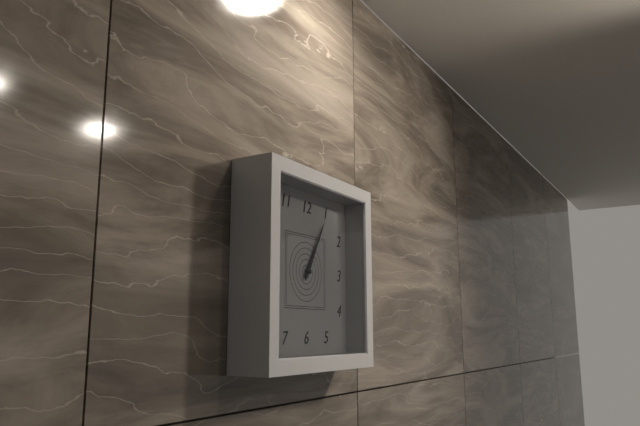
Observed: 1:05
